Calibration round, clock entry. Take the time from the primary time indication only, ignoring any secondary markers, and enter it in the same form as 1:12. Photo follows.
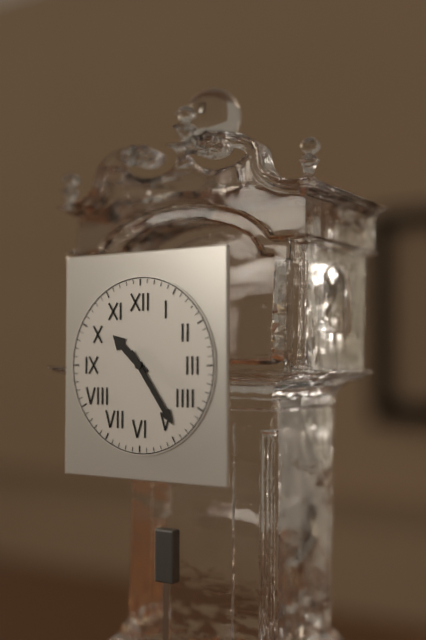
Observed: 10:24
